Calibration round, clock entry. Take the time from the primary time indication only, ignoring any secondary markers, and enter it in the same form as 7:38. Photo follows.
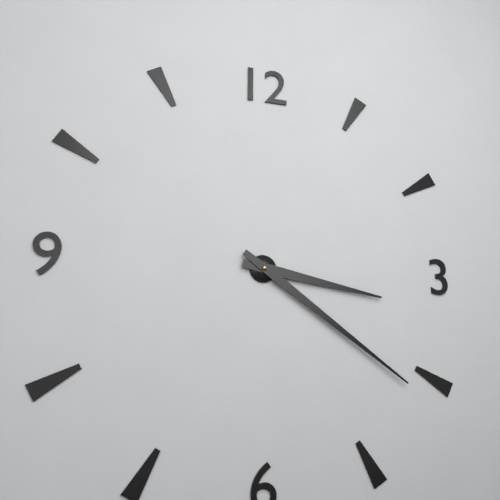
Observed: 3:21
